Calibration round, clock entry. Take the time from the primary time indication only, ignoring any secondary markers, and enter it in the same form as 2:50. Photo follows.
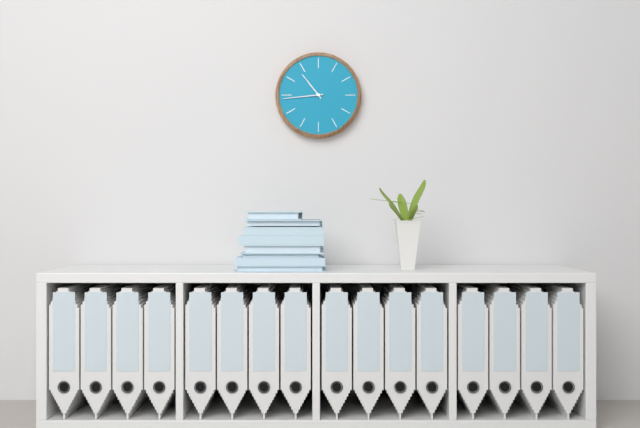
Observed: 10:44
